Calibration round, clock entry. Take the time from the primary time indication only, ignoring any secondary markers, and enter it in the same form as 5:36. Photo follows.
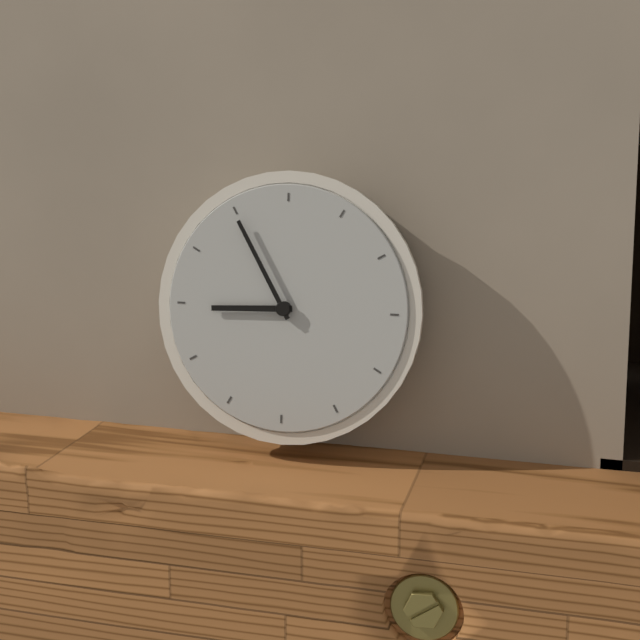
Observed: 8:55
